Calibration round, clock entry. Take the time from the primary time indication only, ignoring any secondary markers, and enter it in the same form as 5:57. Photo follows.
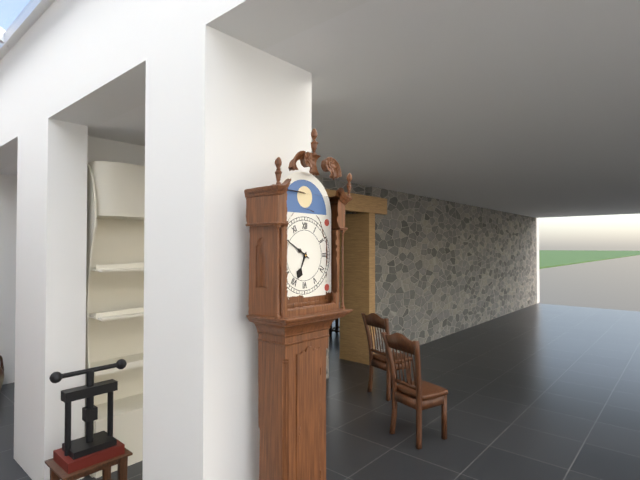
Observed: 6:50
